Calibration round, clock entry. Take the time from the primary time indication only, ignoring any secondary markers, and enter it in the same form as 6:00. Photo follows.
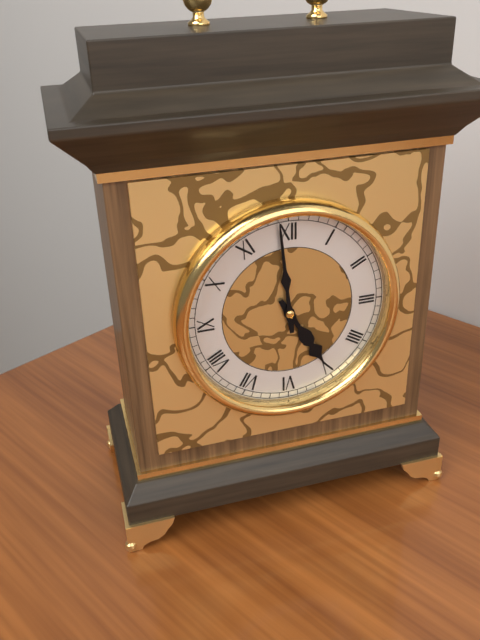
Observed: 4:59
